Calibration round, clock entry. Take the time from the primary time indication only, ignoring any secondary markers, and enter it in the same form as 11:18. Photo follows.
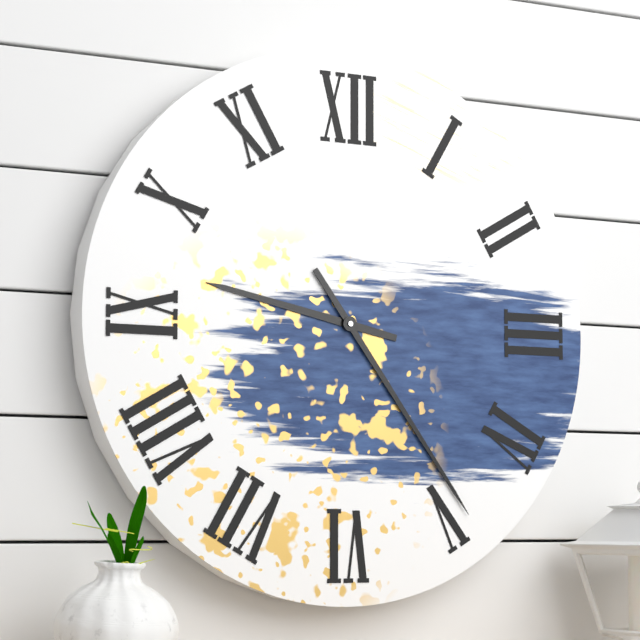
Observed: 9:24
